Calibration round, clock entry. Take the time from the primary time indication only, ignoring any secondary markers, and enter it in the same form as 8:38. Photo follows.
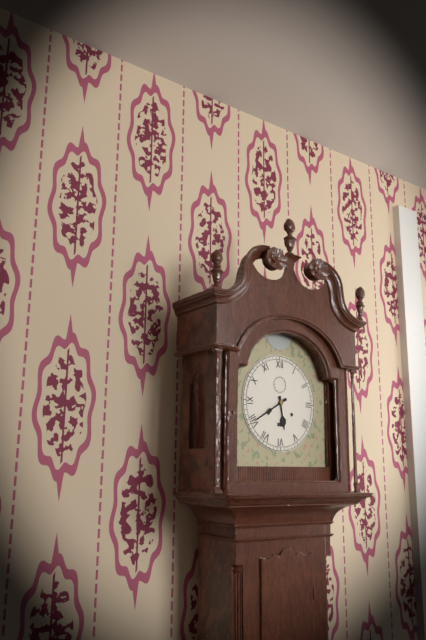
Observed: 5:40
